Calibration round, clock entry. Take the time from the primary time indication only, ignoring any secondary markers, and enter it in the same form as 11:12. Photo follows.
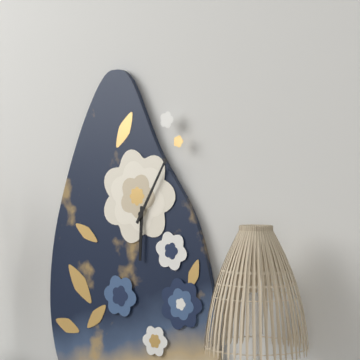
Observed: 6:05
